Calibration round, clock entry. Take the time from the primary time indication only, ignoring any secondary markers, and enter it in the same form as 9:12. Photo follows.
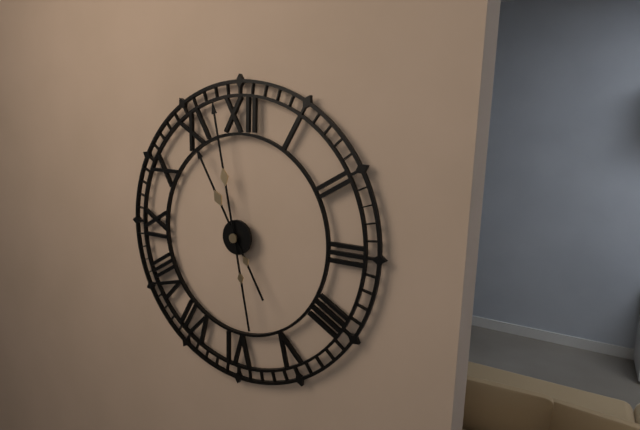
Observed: 10:58
